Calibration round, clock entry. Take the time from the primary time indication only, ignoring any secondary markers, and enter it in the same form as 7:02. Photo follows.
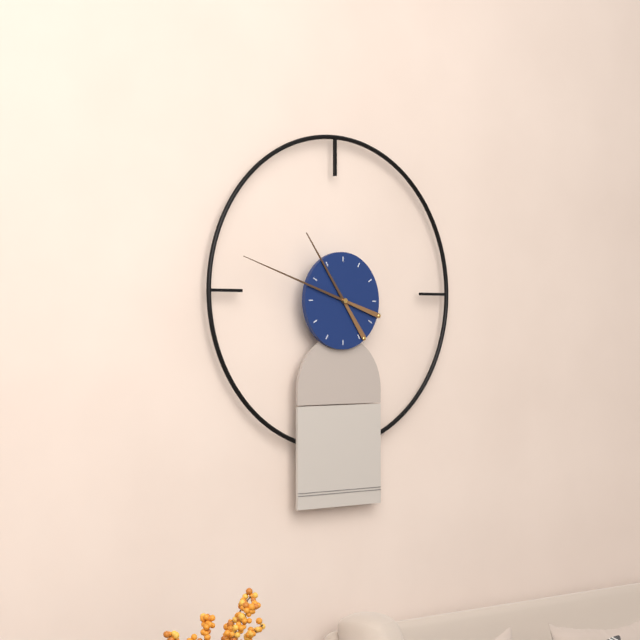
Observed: 10:48
